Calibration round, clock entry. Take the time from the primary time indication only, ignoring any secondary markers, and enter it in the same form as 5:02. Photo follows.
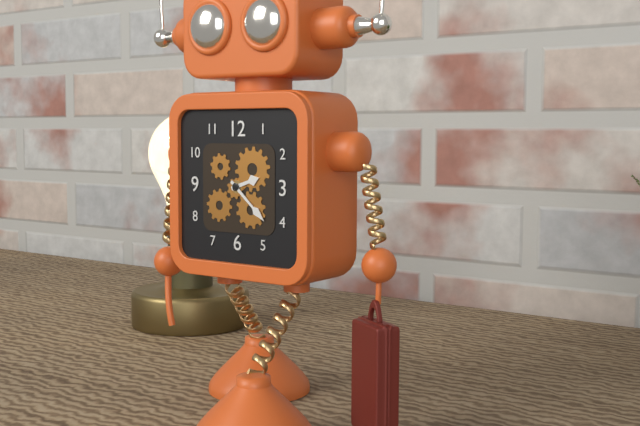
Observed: 2:22
